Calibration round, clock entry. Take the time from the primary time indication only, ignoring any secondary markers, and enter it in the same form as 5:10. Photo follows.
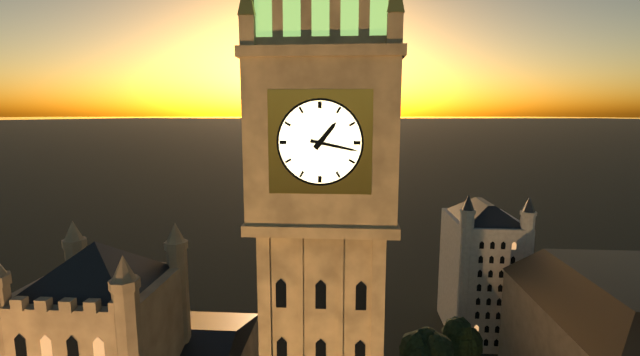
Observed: 1:17
